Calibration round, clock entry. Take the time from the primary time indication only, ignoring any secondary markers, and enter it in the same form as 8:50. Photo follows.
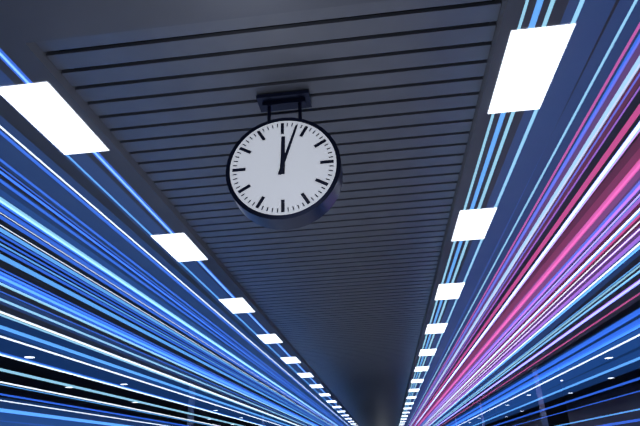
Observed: 12:03
